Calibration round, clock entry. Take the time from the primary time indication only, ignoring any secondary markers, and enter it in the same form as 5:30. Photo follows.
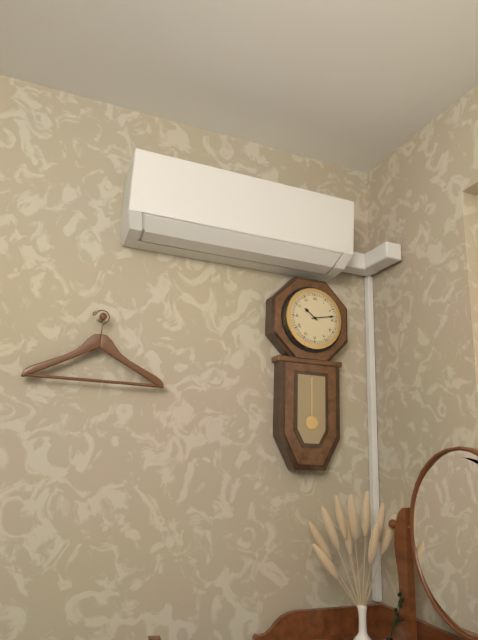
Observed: 10:13
